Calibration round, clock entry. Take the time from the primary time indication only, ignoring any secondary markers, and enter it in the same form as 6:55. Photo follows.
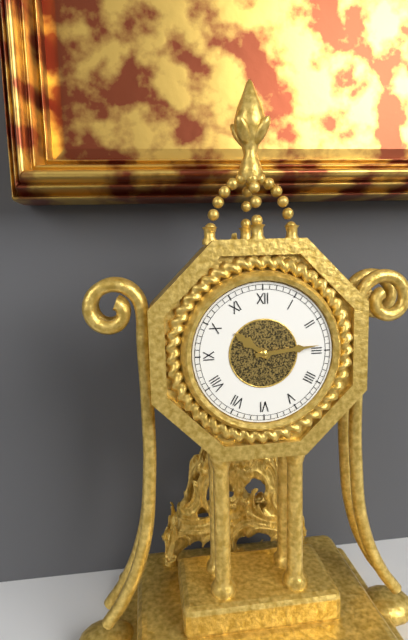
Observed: 10:14
